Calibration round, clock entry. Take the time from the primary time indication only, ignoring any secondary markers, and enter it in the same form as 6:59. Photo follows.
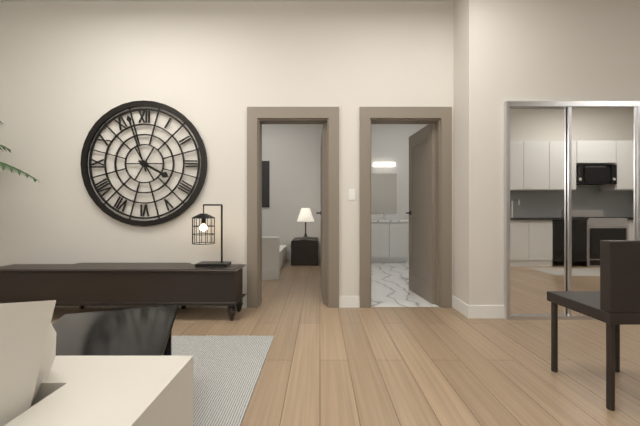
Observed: 3:57
